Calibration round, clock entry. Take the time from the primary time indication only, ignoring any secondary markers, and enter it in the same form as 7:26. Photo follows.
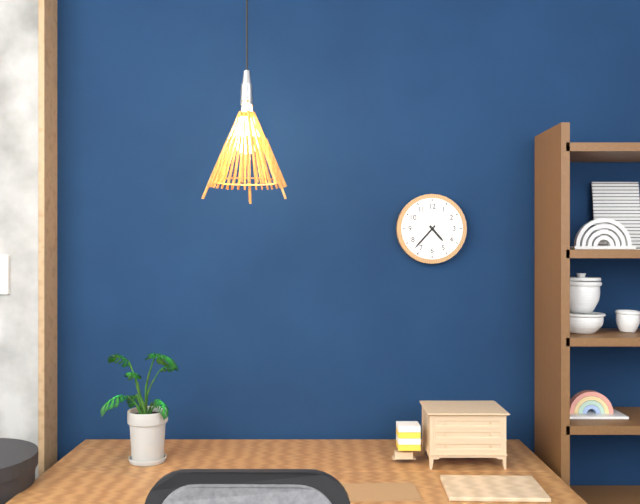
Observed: 4:37
